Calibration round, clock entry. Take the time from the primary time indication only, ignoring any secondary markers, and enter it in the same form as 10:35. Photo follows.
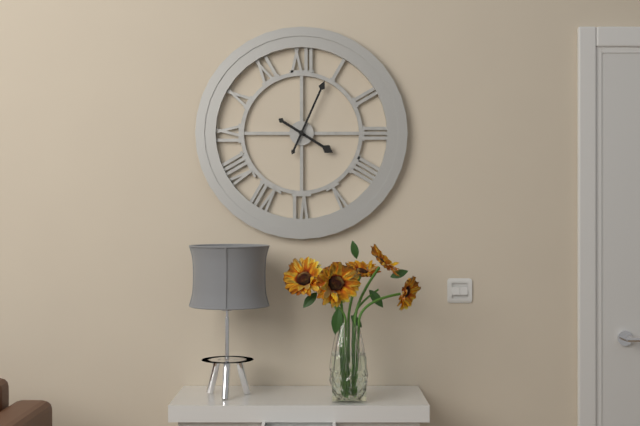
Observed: 4:04
